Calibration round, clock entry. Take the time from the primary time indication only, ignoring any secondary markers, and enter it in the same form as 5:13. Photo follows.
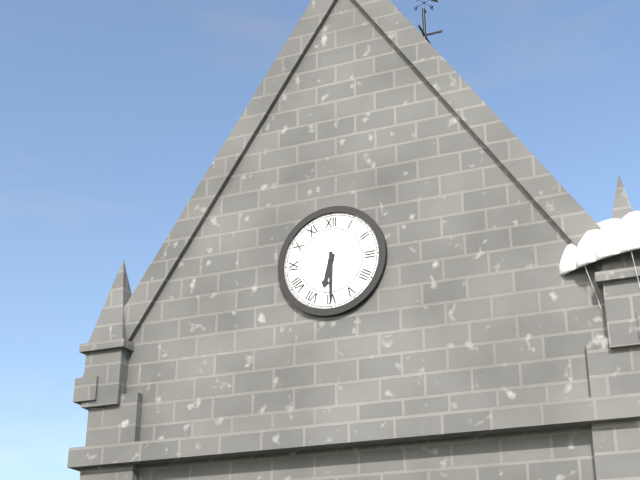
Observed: 6:30
